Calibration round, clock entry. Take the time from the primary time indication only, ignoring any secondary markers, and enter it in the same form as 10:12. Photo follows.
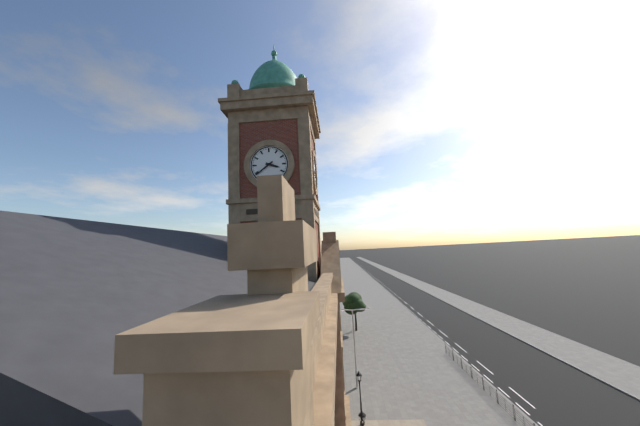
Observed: 3:39
